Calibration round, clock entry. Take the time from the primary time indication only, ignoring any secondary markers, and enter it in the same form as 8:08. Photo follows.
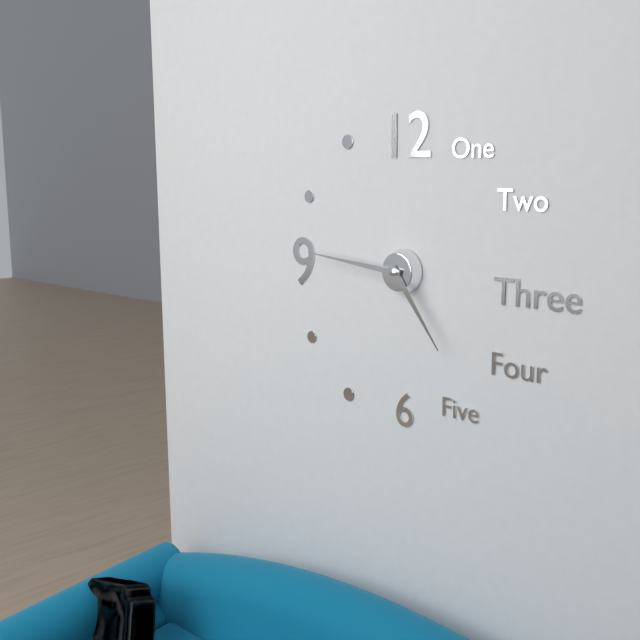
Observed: 4:46
